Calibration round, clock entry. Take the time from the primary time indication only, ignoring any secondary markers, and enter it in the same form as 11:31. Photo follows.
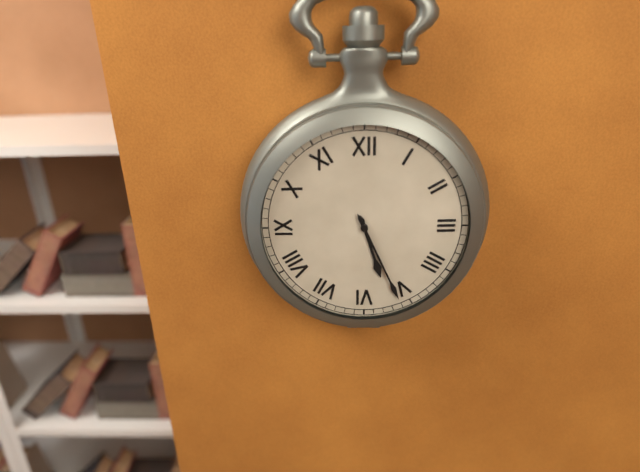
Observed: 5:26
